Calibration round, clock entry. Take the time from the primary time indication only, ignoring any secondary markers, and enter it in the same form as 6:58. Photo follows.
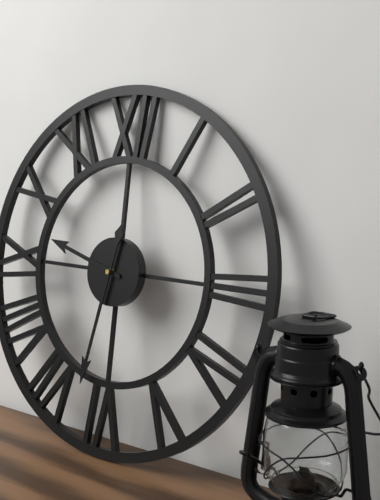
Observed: 9:32
